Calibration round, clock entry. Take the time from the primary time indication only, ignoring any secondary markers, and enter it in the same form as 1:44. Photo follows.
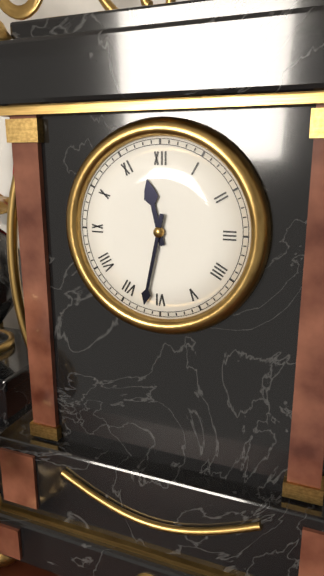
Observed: 11:32
